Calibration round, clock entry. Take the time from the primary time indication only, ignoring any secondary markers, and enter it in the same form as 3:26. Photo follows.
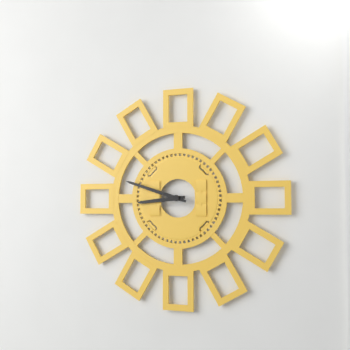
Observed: 8:48
